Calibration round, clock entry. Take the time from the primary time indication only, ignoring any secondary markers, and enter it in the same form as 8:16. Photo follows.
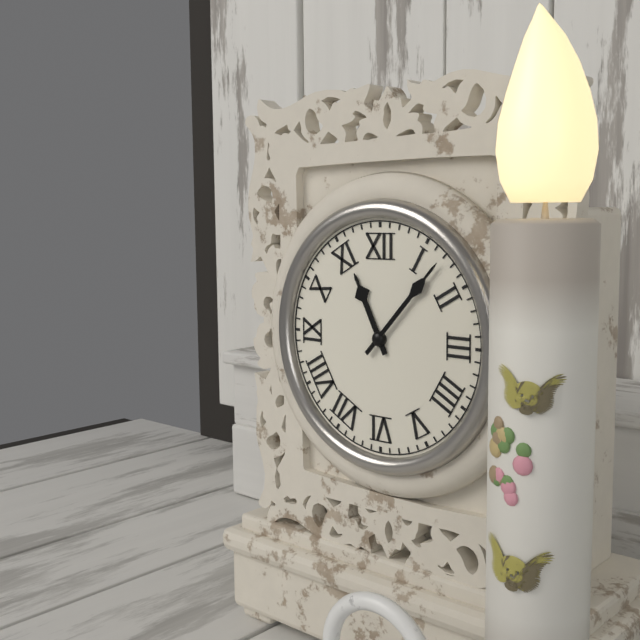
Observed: 11:07
